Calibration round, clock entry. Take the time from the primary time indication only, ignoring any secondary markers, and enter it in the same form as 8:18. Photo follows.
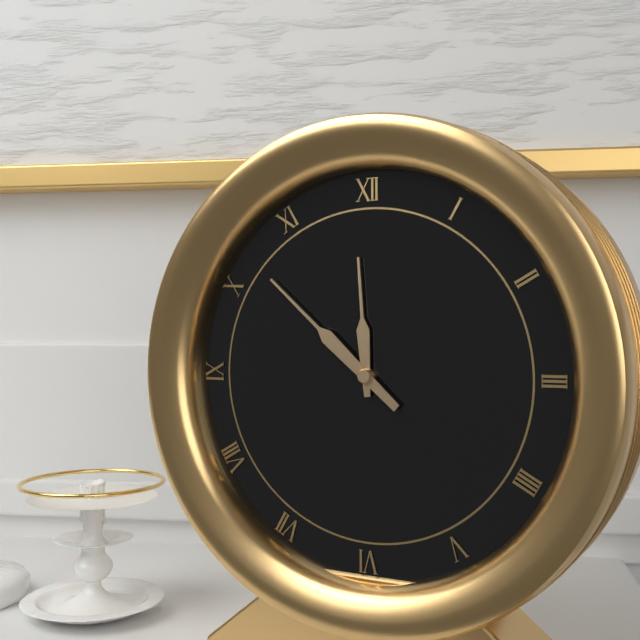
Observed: 11:52
